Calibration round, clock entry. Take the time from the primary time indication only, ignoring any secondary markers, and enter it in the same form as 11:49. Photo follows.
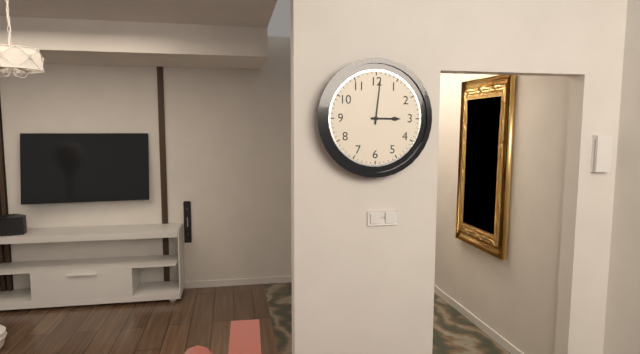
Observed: 3:01
